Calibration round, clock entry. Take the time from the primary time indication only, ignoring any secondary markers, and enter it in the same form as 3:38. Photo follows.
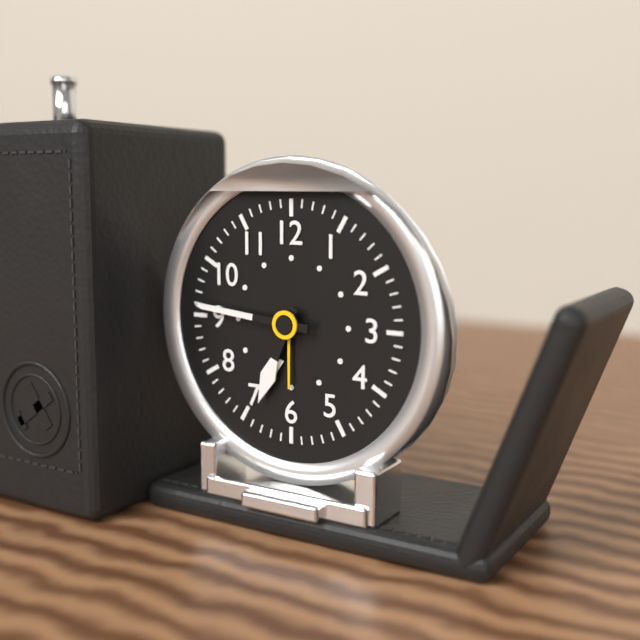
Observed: 6:46
